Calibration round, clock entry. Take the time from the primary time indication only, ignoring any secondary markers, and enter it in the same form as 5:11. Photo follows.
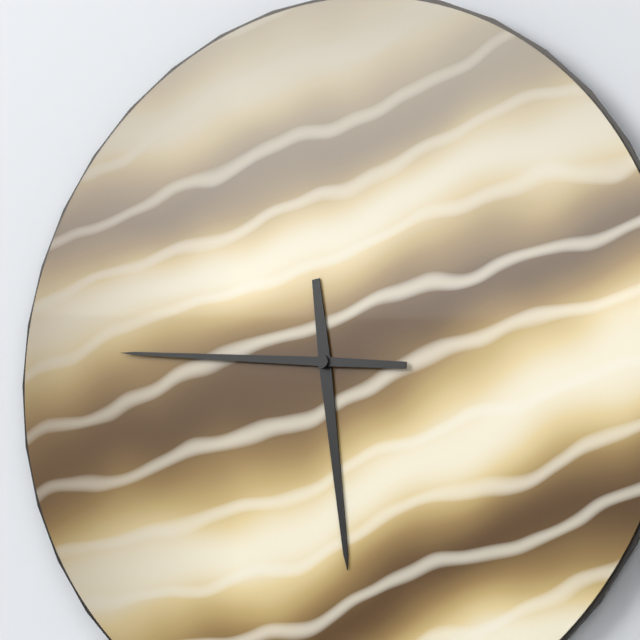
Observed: 5:46
